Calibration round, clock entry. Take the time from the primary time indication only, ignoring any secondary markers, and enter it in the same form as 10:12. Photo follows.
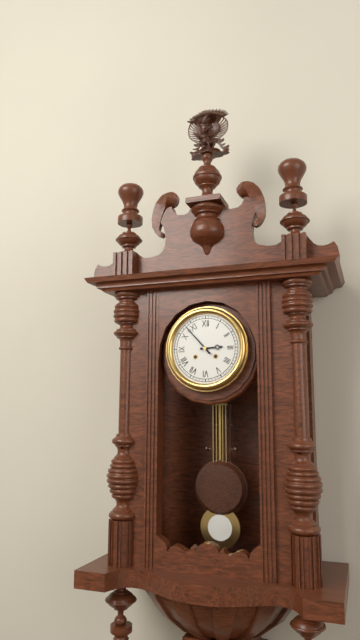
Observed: 2:53
